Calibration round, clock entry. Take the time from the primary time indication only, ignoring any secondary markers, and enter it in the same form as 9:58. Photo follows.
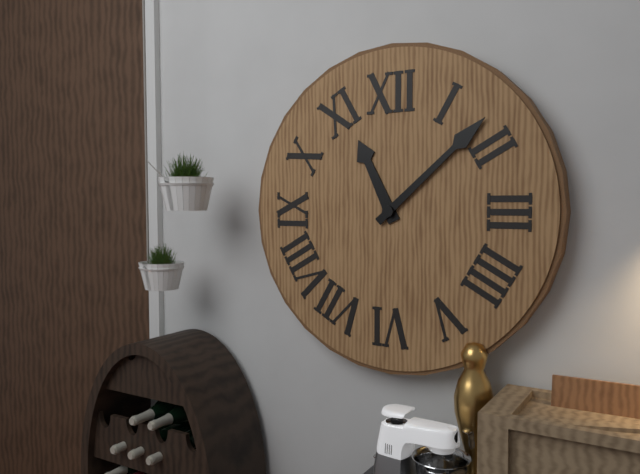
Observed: 11:08
